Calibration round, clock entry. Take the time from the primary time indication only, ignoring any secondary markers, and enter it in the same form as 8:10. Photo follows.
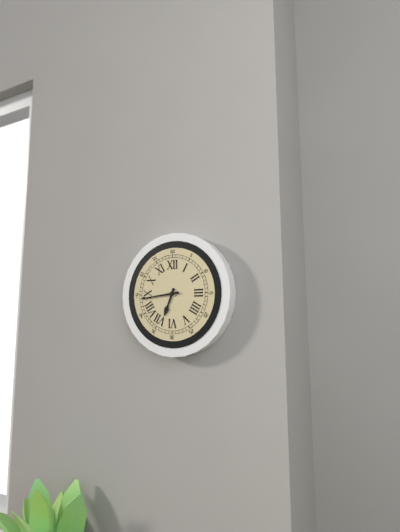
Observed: 6:44
